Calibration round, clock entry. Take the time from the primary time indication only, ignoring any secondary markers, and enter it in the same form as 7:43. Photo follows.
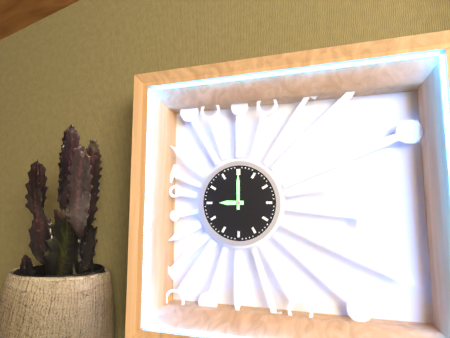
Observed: 9:00
